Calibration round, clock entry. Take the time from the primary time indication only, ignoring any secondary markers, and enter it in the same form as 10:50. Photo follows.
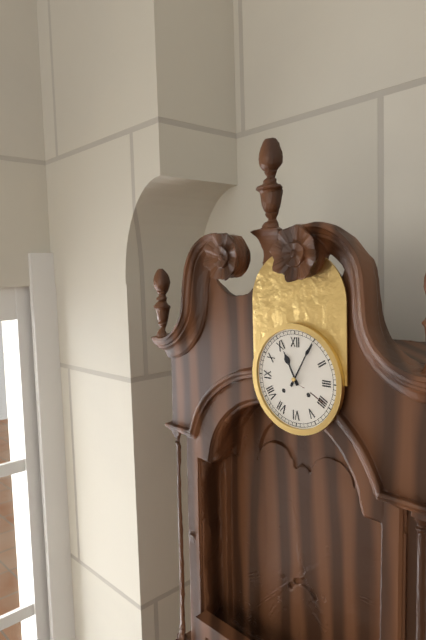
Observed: 11:05
